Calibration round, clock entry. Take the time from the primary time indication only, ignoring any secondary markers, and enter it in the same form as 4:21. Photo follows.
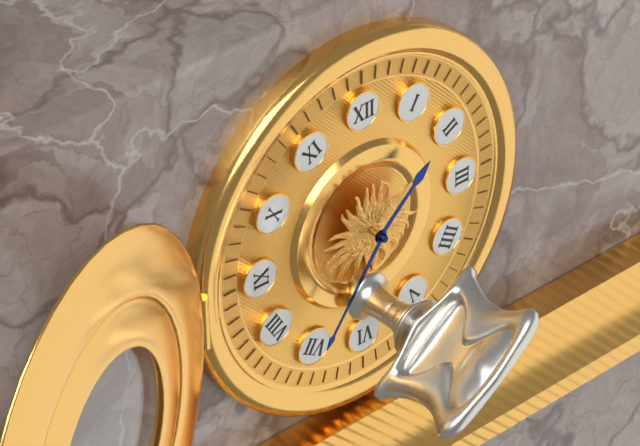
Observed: 1:36
